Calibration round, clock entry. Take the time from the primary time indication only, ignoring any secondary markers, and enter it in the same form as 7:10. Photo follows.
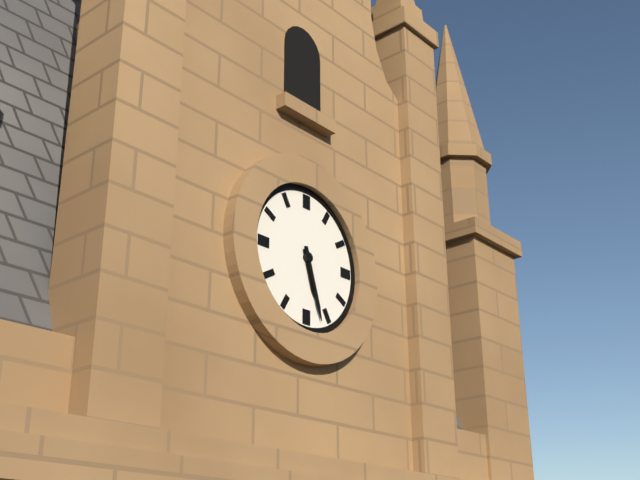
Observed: 5:27
